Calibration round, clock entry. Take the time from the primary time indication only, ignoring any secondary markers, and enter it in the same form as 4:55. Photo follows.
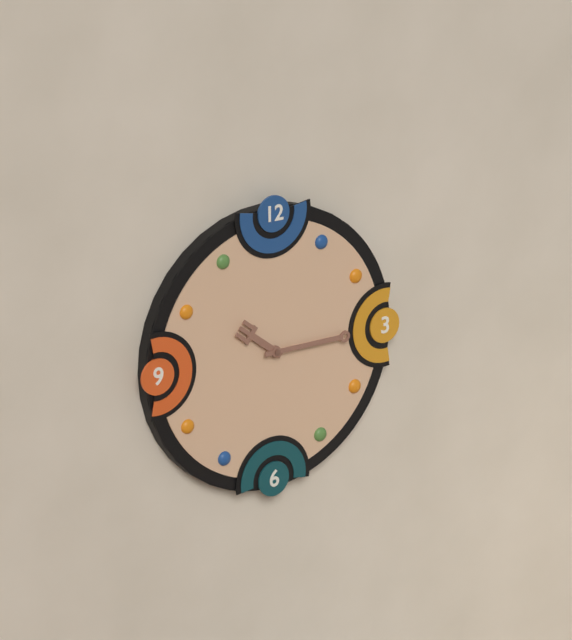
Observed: 10:15
